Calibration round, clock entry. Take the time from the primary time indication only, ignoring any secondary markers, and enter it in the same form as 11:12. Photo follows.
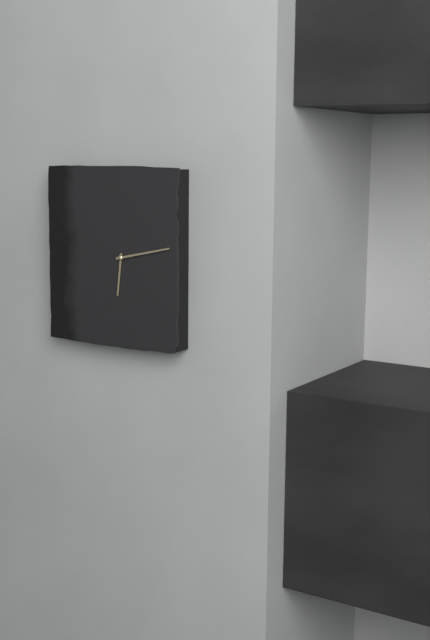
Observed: 6:13
